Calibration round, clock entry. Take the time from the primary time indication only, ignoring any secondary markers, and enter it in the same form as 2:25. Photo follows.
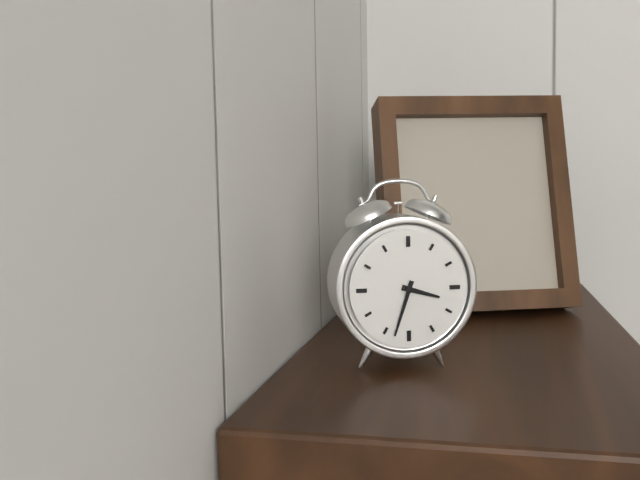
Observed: 3:33
